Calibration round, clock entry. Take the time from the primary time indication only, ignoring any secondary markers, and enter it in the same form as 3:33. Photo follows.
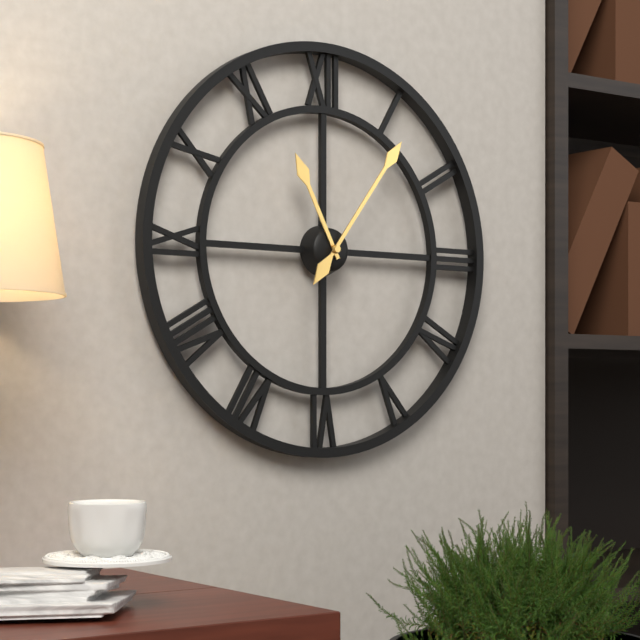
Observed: 11:06
